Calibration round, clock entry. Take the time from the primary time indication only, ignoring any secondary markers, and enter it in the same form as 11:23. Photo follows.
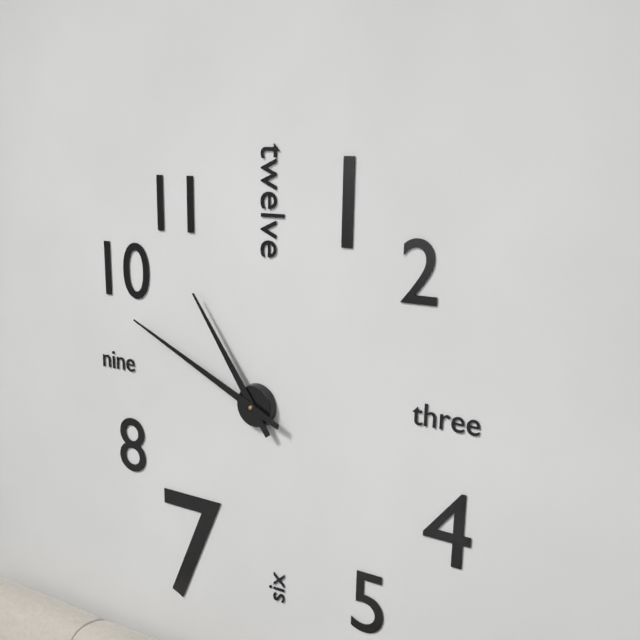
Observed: 10:49
